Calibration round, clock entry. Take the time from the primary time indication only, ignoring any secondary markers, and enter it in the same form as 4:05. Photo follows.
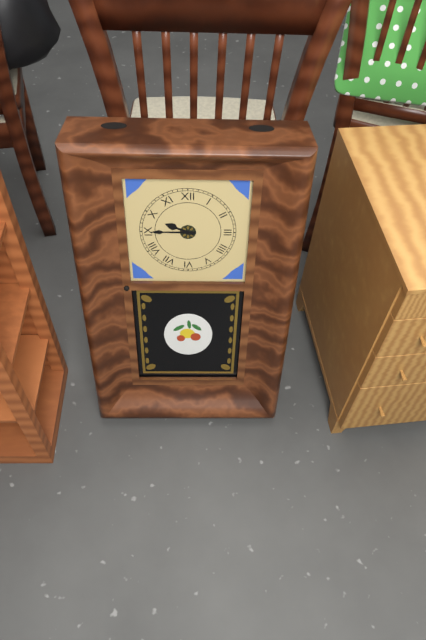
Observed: 9:45
